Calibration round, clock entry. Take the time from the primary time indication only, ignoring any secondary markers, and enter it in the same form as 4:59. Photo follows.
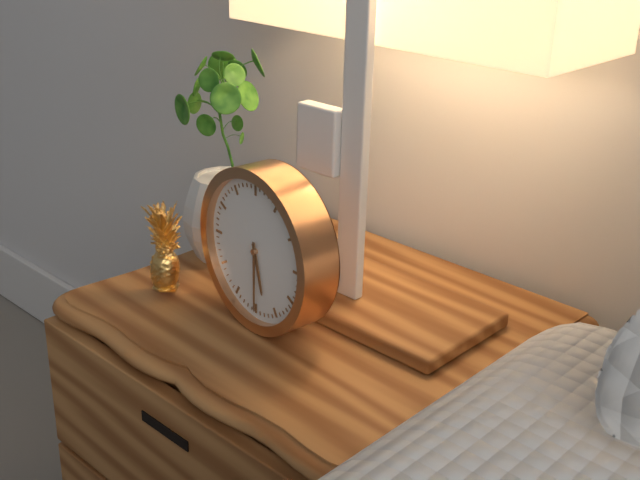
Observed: 5:30
